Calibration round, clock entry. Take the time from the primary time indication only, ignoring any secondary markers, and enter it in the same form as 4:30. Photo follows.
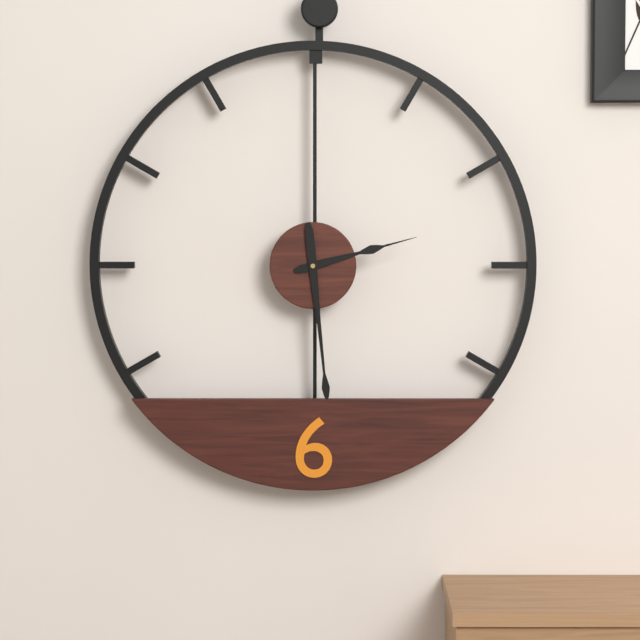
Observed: 2:29
